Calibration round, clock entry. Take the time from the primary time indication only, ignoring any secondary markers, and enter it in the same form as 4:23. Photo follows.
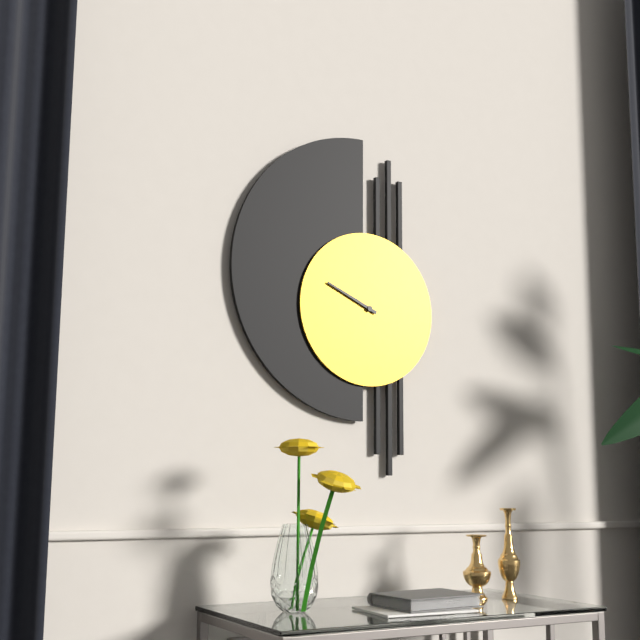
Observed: 9:49
